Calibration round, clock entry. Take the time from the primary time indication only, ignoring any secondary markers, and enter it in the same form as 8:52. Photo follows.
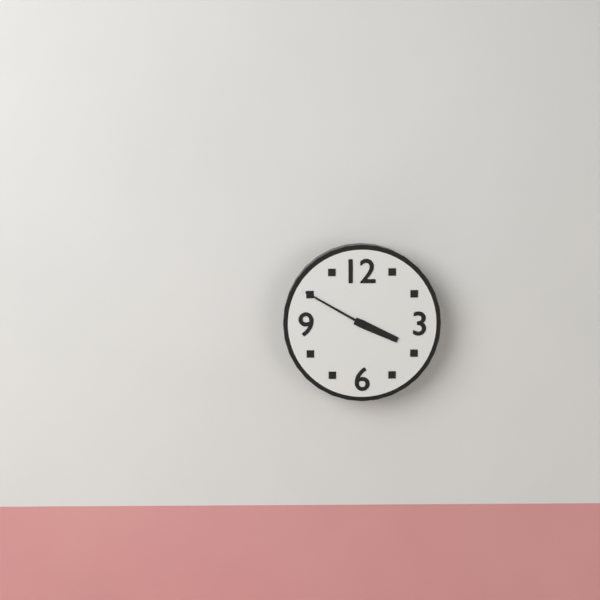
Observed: 3:50
